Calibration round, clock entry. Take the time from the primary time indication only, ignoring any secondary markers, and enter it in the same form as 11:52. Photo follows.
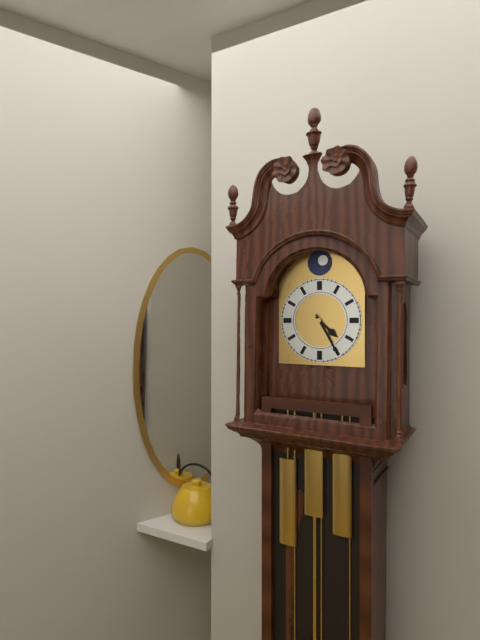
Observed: 4:25
